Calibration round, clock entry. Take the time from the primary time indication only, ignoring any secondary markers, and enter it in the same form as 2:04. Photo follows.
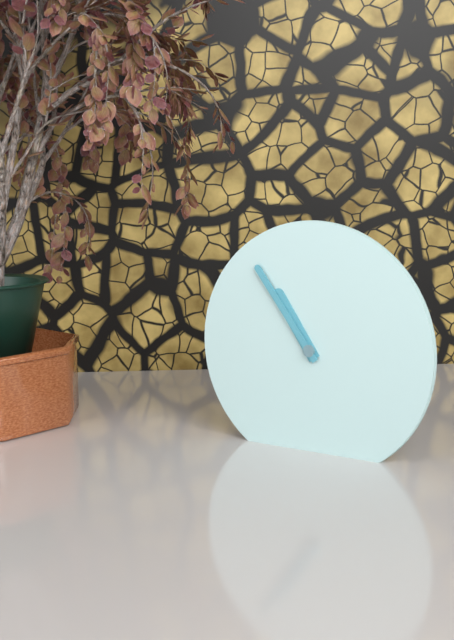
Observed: 10:54
